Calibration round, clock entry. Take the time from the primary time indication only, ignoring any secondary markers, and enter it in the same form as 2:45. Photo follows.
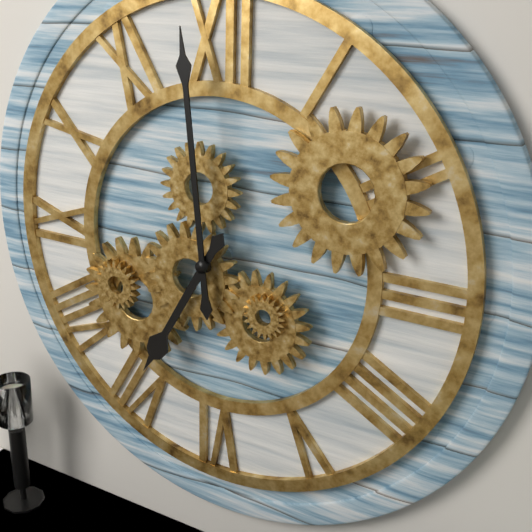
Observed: 6:59
